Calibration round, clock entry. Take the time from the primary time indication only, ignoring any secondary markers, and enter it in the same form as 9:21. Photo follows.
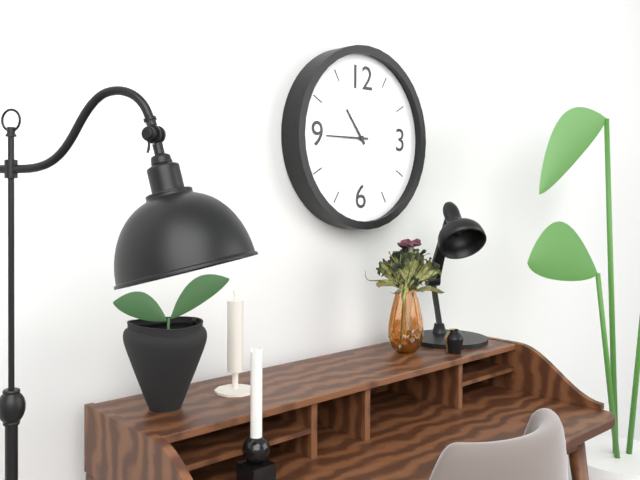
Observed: 10:45
